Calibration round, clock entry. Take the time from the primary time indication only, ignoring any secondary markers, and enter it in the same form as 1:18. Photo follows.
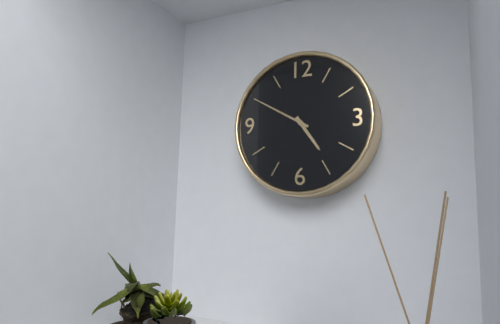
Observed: 4:50
